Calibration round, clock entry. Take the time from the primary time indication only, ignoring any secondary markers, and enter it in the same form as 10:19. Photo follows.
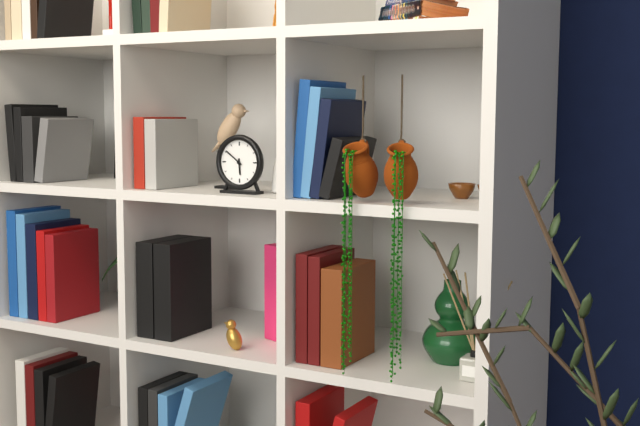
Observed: 5:51
